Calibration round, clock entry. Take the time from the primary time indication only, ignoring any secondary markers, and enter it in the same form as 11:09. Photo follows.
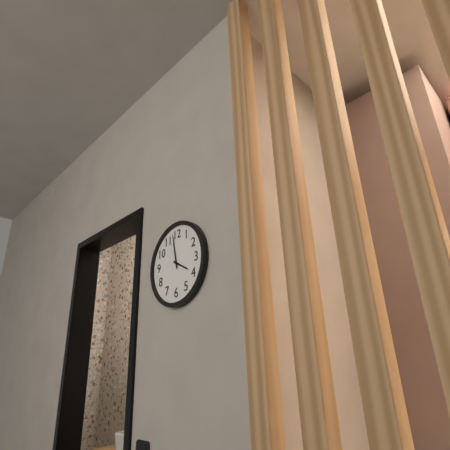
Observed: 3:58
